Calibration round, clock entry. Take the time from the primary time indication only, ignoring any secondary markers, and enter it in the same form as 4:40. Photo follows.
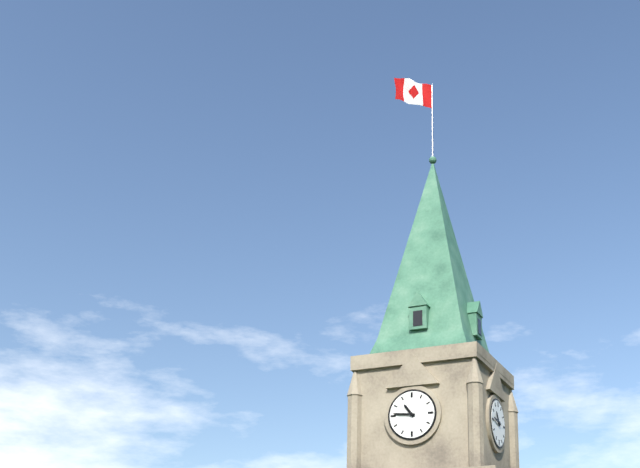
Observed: 10:46
